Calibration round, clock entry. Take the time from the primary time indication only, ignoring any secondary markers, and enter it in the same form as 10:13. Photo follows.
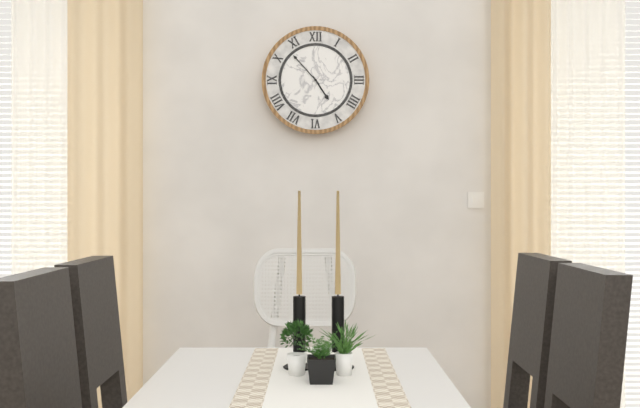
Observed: 4:53
